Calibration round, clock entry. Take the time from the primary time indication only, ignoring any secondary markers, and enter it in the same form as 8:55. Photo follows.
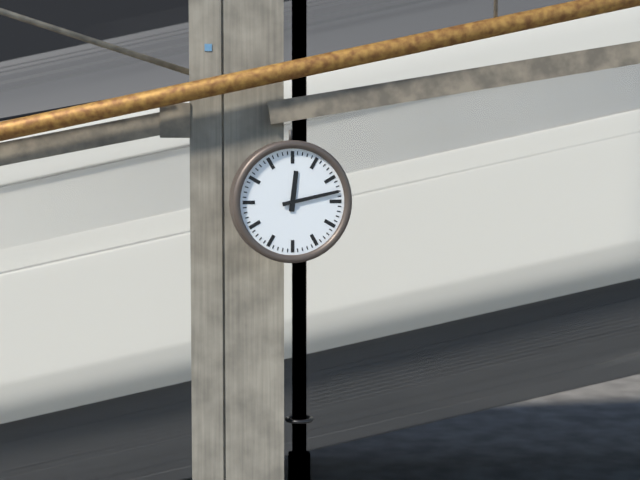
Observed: 12:13
